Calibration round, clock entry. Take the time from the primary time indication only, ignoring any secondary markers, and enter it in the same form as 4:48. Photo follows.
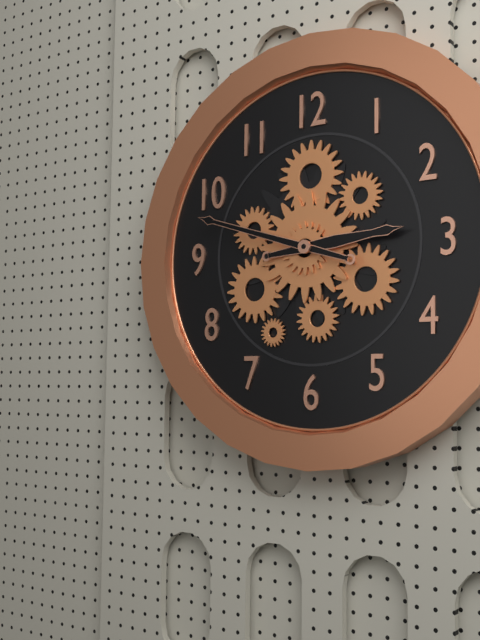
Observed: 2:48
